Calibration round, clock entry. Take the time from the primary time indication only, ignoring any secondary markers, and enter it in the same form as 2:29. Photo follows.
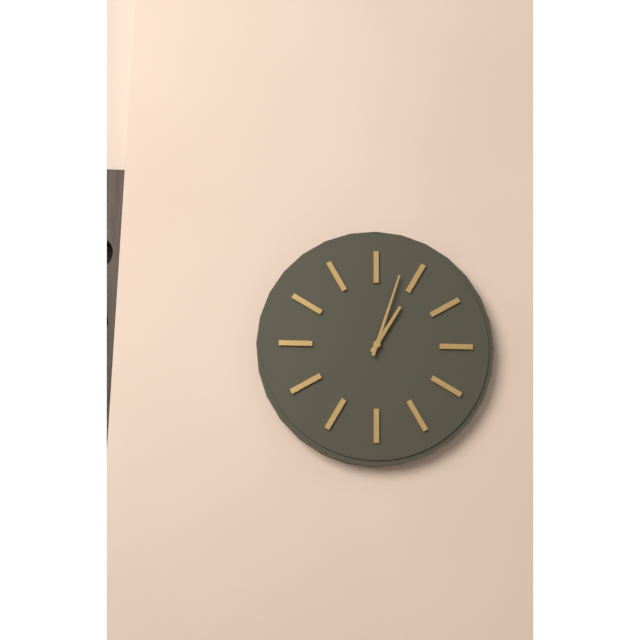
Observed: 1:03
